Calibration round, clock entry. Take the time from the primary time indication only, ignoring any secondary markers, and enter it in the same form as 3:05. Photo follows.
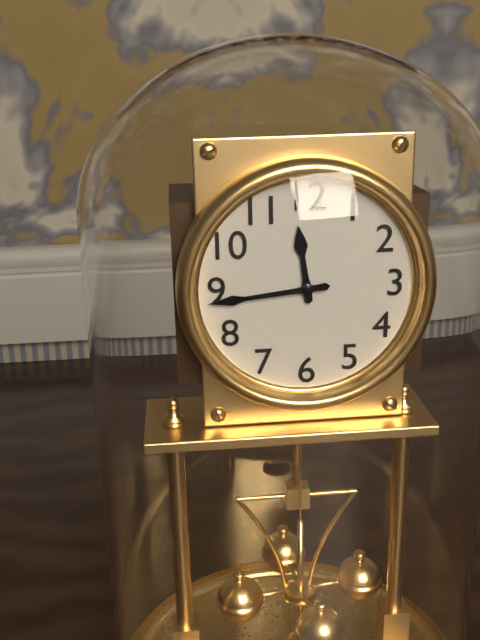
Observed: 11:44
